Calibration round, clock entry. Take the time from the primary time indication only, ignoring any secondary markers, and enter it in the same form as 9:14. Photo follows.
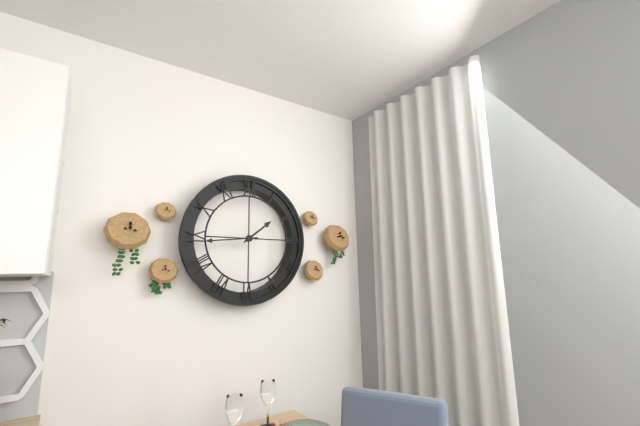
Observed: 1:44
